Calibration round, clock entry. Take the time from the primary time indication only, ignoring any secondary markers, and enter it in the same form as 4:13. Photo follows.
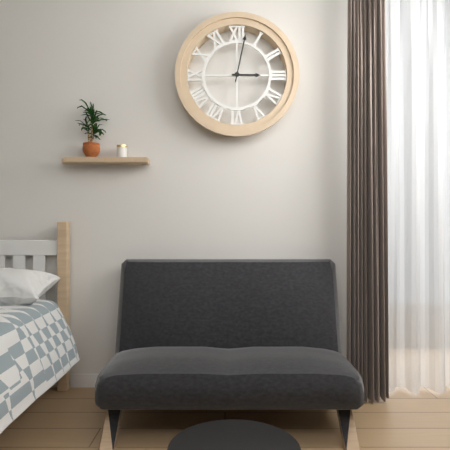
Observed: 3:02
